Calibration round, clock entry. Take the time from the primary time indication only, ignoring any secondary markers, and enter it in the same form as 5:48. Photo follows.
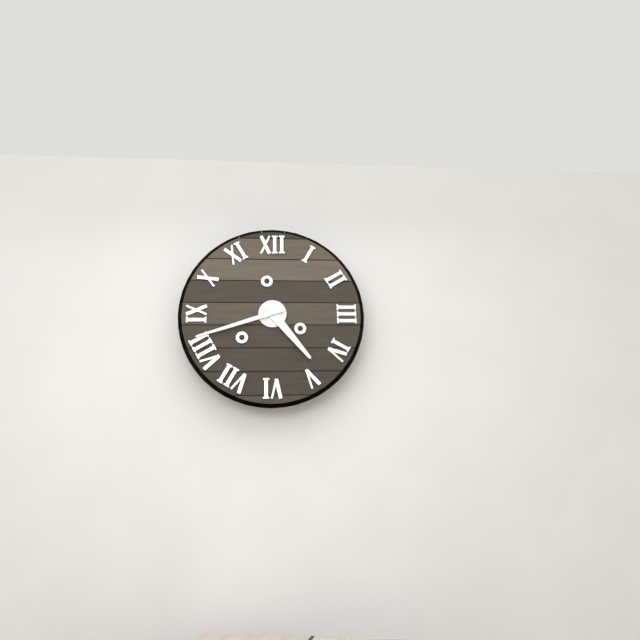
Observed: 4:42
